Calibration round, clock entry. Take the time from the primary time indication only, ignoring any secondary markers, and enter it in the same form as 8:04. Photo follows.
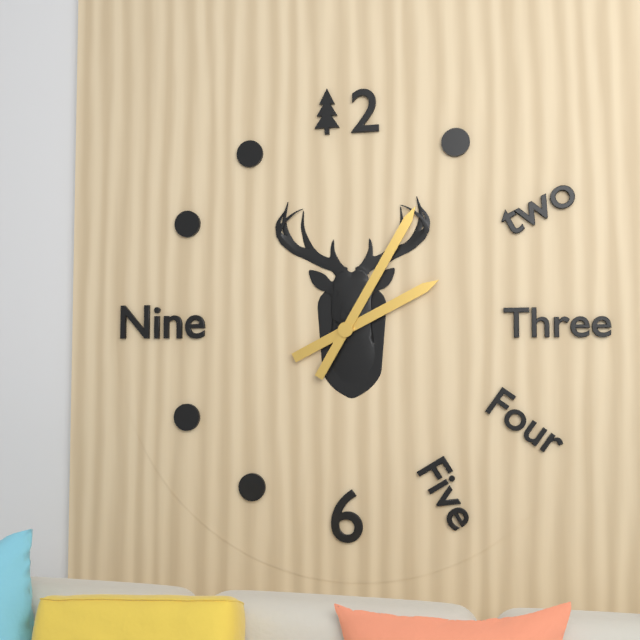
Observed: 2:05
